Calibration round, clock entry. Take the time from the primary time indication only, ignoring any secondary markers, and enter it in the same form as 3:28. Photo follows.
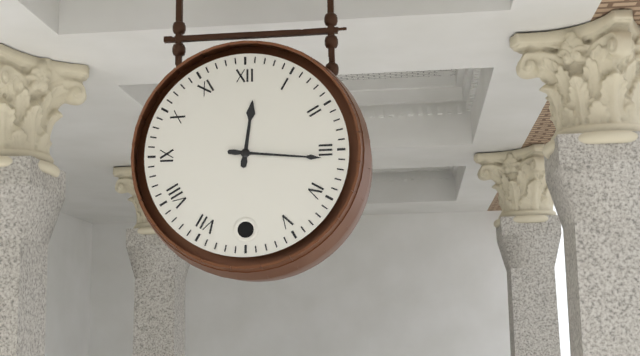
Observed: 12:16
